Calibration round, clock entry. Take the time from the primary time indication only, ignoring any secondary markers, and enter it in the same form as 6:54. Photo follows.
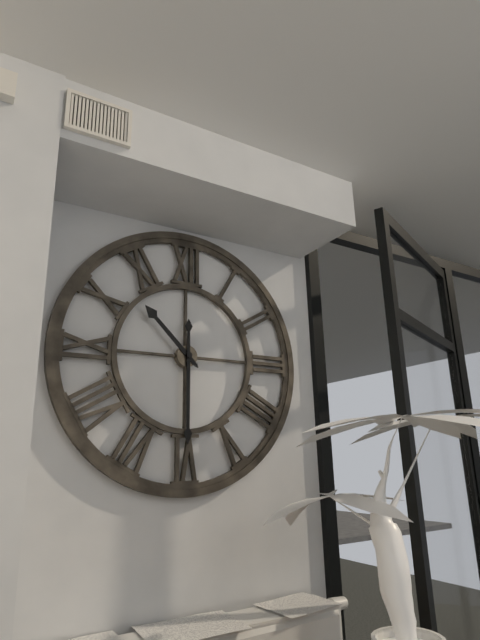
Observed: 10:30
